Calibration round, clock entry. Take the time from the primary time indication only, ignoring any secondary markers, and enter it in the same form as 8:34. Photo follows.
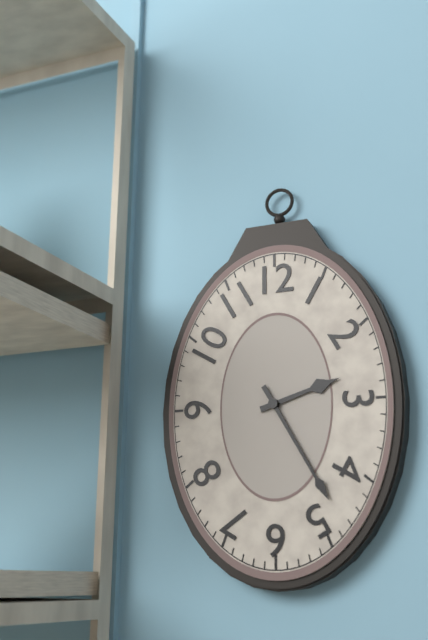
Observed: 2:25
